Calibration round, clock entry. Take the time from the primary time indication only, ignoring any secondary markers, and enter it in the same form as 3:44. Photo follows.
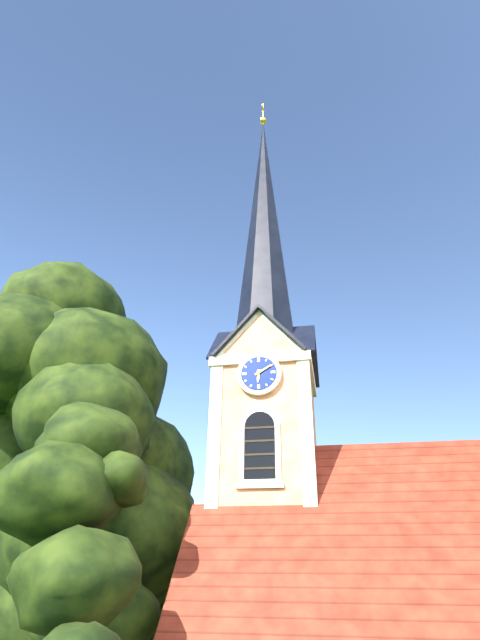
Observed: 6:10
